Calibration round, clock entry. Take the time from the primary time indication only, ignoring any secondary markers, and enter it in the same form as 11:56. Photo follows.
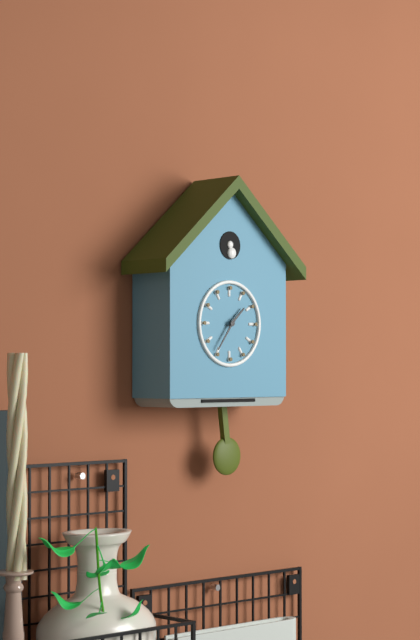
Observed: 1:36
